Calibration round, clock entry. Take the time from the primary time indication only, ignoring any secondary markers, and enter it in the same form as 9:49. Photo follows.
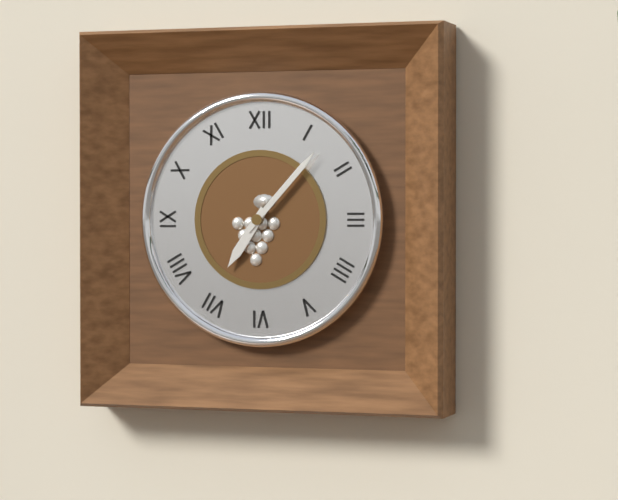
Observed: 7:07
